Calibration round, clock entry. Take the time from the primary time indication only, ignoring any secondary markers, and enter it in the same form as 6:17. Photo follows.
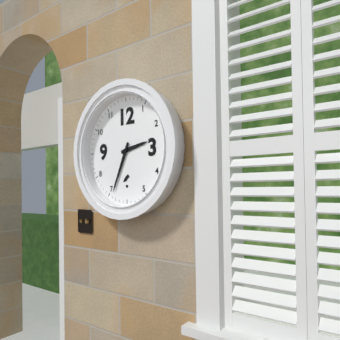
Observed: 2:34
